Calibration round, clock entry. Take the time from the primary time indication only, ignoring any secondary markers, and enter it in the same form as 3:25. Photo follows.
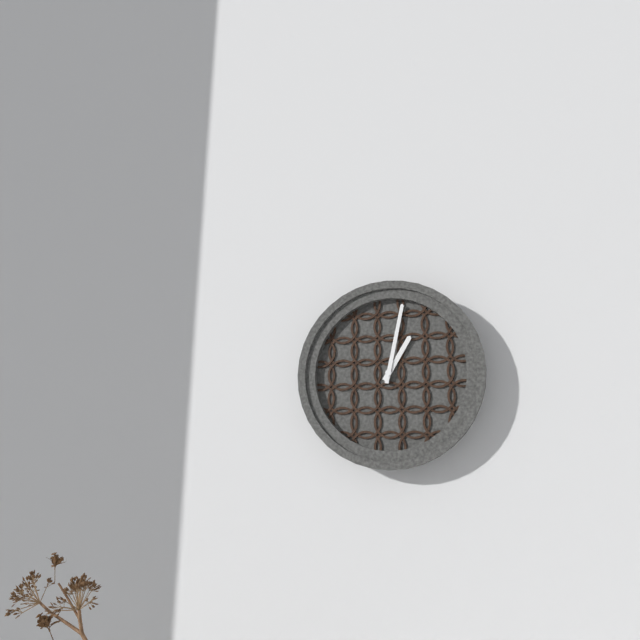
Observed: 1:02
